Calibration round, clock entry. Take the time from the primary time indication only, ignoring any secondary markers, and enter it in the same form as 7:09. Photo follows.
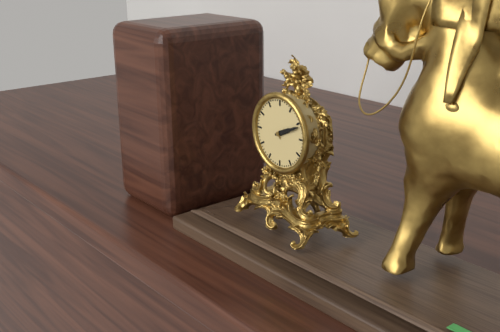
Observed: 2:11
